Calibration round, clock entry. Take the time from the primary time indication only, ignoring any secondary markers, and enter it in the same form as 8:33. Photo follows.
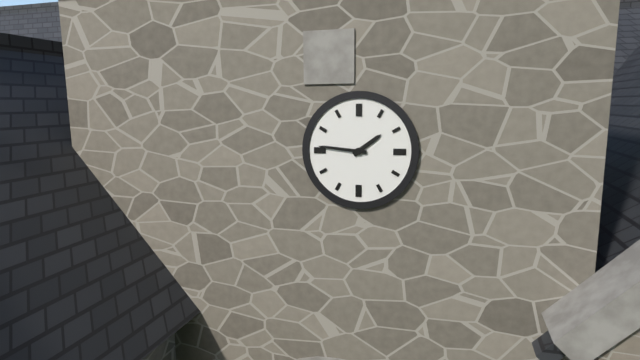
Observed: 1:46
